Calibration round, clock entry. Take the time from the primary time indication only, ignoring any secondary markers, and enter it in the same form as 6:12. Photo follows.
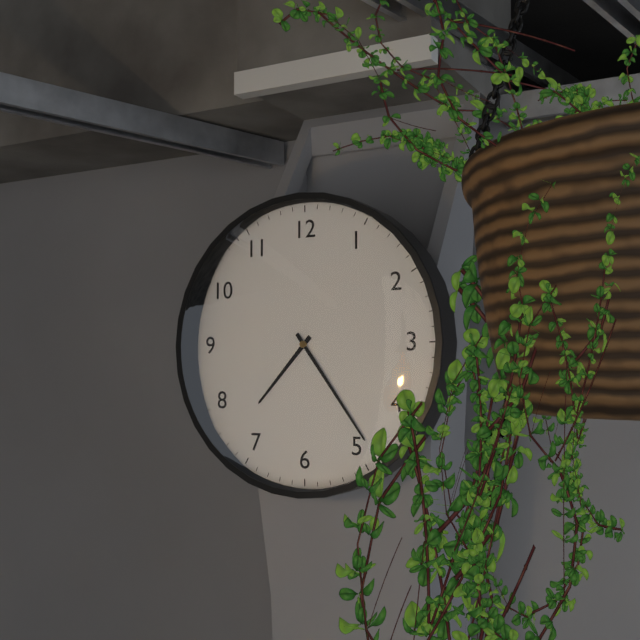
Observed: 7:24
